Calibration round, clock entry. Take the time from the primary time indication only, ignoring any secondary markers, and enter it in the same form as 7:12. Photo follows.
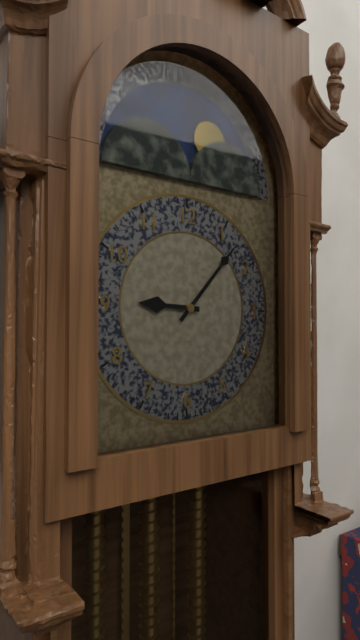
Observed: 9:07
